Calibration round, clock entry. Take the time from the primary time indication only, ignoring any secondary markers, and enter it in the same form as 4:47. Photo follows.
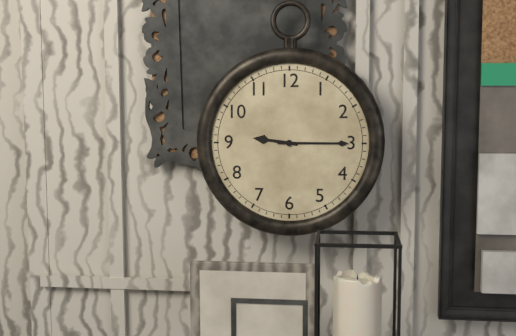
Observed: 9:15
